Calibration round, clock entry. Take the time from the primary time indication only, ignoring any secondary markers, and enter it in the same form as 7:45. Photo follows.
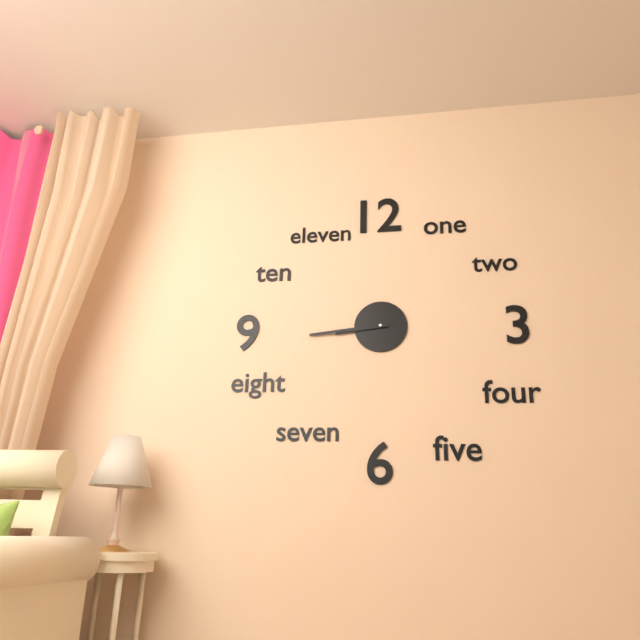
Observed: 8:44
